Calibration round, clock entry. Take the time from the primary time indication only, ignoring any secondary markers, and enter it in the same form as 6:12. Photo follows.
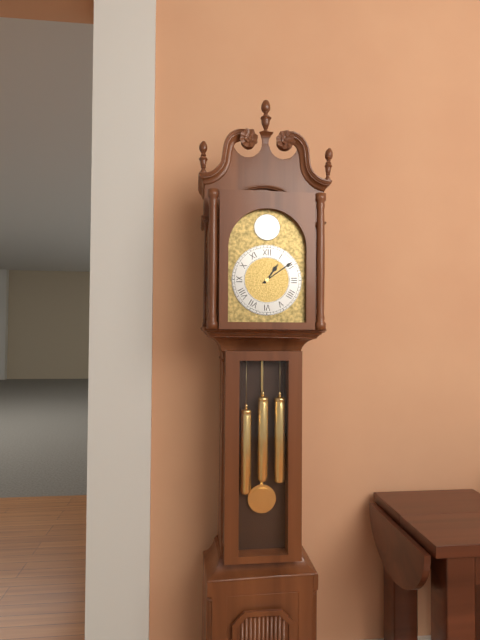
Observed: 1:09
